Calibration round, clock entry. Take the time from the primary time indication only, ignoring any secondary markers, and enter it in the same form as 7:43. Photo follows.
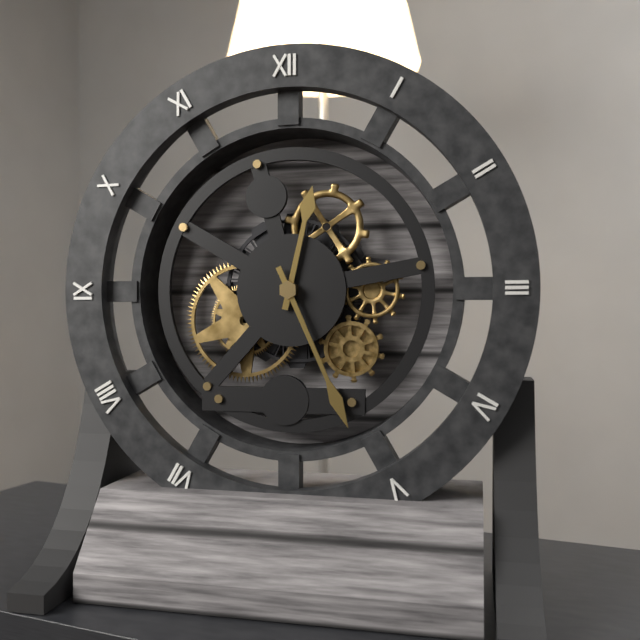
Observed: 12:26
